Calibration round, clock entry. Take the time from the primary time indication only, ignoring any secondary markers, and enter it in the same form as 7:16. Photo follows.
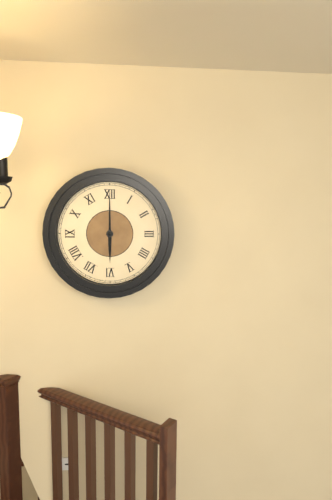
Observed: 6:00
